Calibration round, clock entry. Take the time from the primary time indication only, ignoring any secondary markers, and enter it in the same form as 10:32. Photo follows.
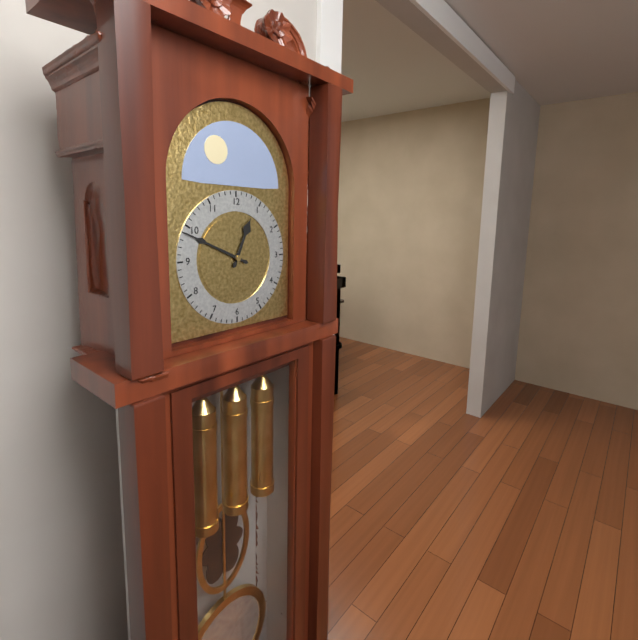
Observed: 12:49
